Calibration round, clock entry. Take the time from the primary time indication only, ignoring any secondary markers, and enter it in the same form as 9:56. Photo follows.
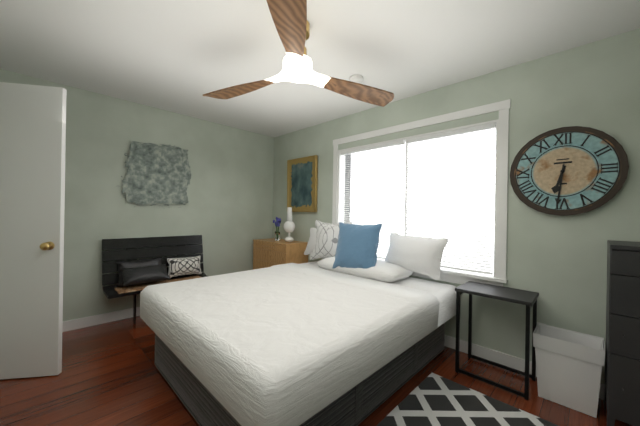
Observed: 6:31
